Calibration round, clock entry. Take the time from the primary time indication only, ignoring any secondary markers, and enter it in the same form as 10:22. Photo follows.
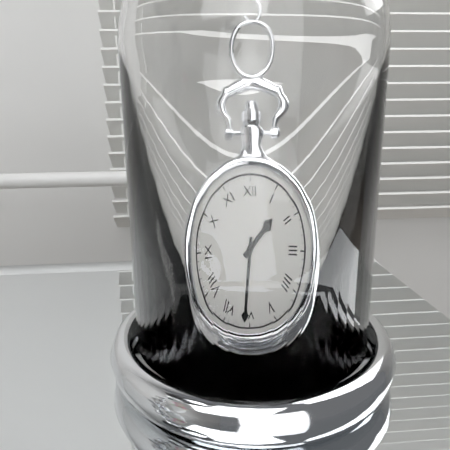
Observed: 1:31
